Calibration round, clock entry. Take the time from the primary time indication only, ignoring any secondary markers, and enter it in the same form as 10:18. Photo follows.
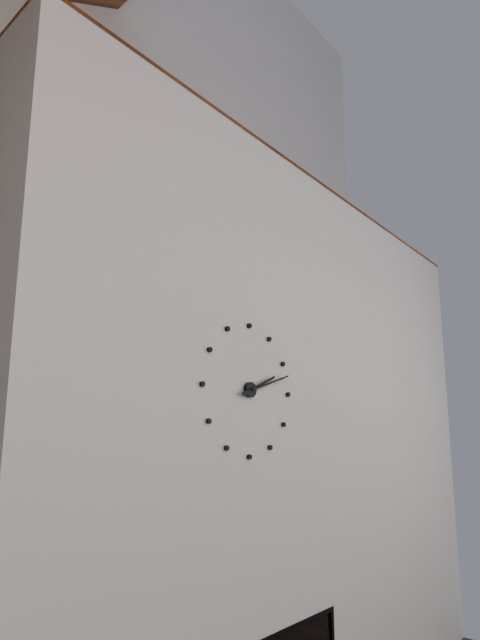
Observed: 2:12
